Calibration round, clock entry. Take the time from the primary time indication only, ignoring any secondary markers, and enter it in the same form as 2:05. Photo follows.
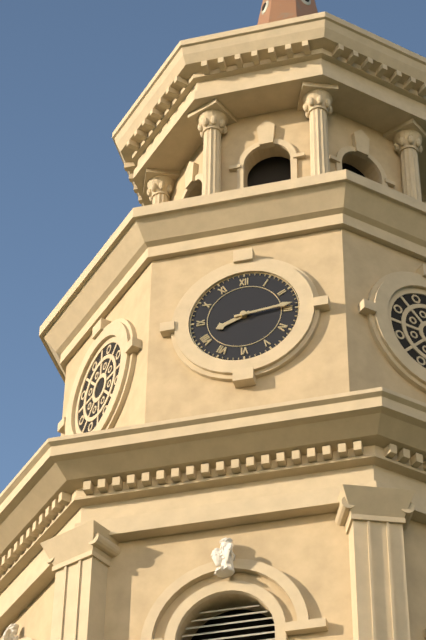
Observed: 8:14
